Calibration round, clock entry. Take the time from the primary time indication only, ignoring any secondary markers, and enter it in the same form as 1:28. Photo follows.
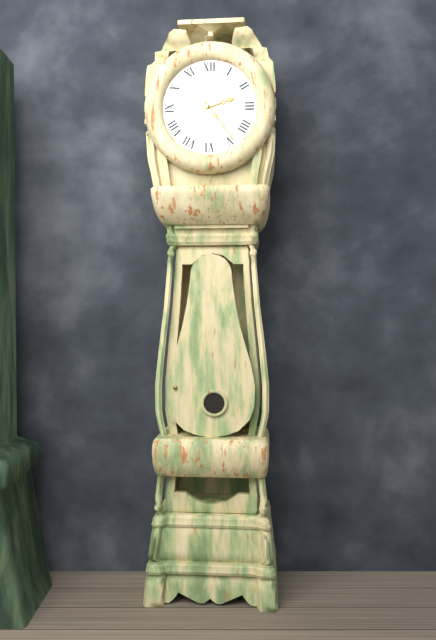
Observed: 2:24
